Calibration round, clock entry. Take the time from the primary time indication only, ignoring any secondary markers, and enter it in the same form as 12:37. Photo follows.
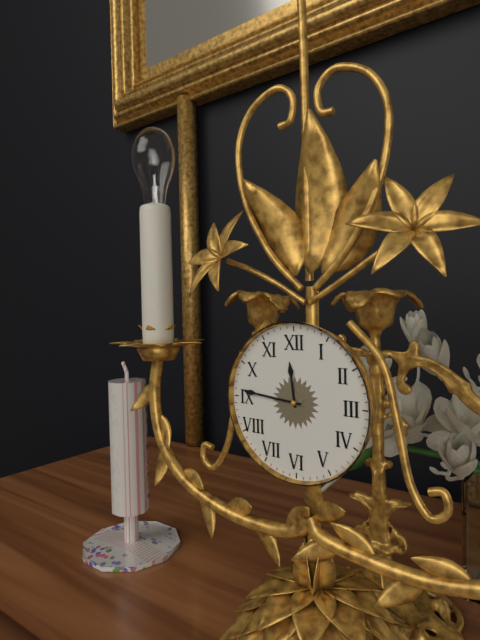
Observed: 11:46
